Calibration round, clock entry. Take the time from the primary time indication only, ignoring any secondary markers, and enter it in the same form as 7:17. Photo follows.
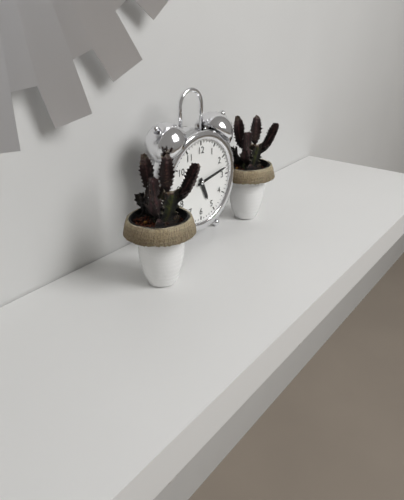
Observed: 5:13
